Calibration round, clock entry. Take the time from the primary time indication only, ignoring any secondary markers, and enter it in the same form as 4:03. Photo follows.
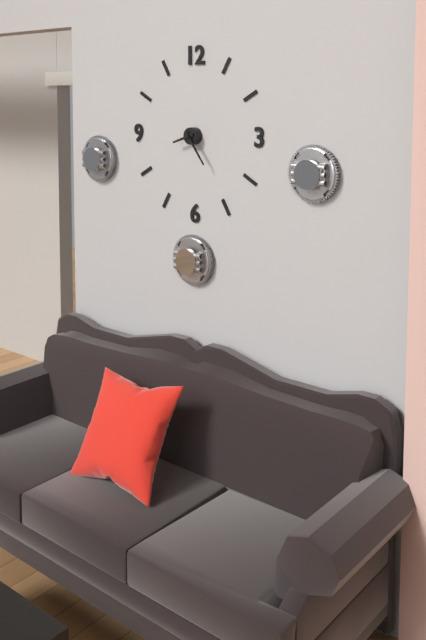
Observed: 8:24
